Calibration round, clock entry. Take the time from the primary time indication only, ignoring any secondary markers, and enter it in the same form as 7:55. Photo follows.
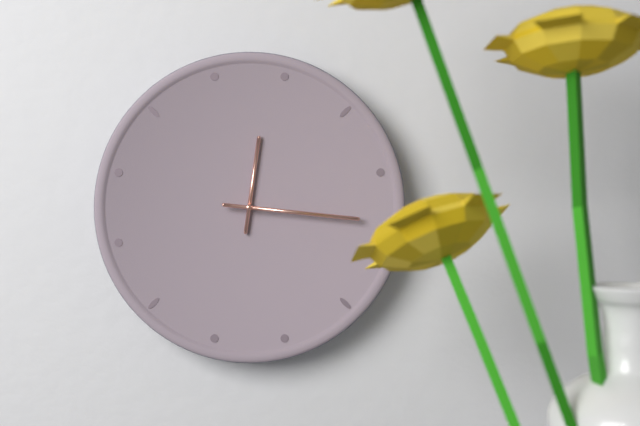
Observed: 12:16
